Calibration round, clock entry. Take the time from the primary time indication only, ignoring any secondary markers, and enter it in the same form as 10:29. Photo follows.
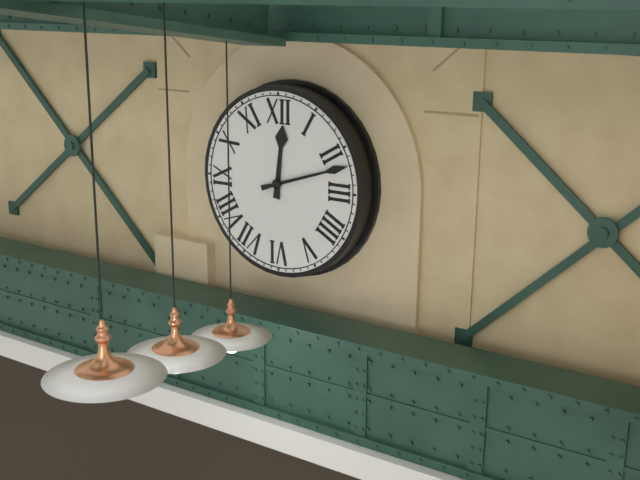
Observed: 12:12
